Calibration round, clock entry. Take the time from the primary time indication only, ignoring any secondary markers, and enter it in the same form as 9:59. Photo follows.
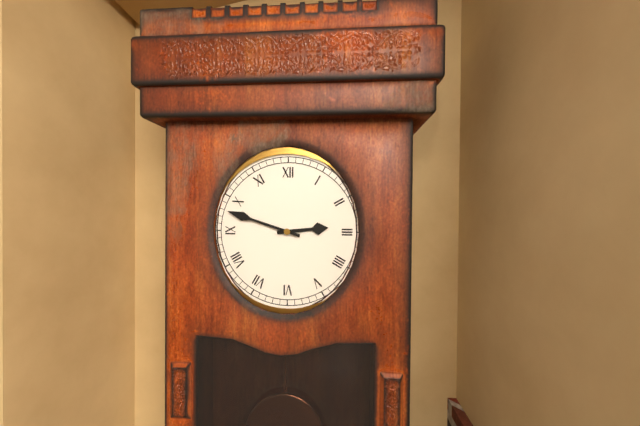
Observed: 2:48
